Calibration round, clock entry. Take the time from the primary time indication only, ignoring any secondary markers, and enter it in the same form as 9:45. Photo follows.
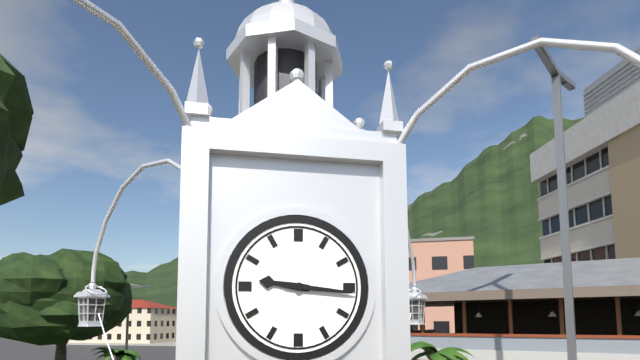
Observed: 9:16
